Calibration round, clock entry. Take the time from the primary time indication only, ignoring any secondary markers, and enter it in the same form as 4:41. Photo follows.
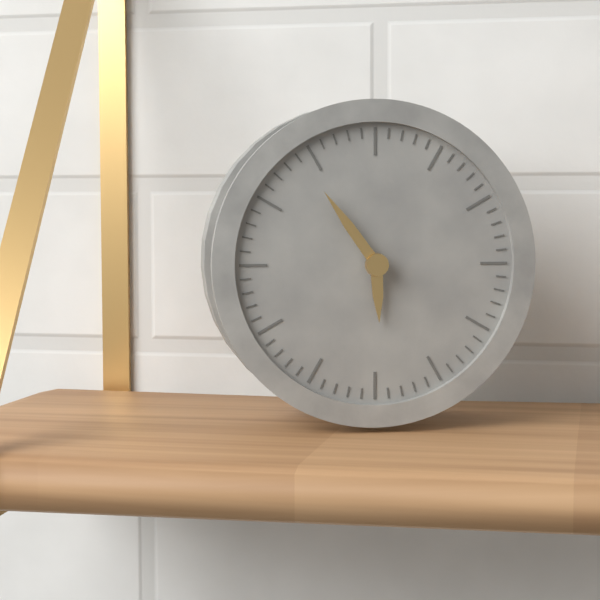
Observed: 5:54
